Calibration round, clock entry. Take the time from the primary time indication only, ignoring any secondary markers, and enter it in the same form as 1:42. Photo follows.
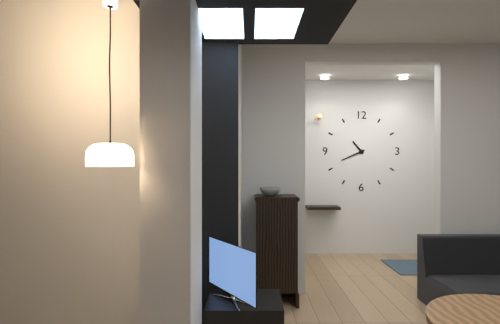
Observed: 10:41
